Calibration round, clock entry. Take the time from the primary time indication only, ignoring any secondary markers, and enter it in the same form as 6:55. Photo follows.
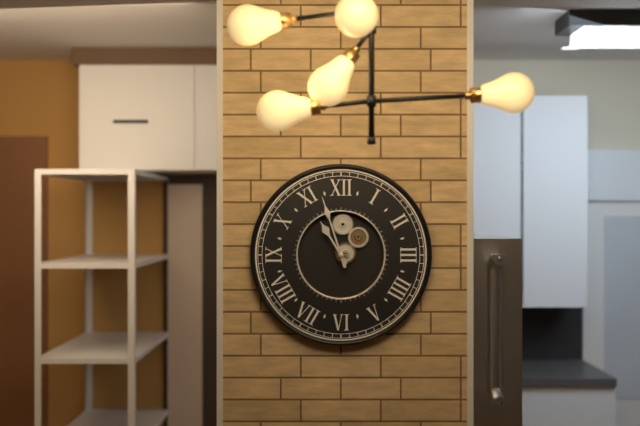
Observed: 10:57
